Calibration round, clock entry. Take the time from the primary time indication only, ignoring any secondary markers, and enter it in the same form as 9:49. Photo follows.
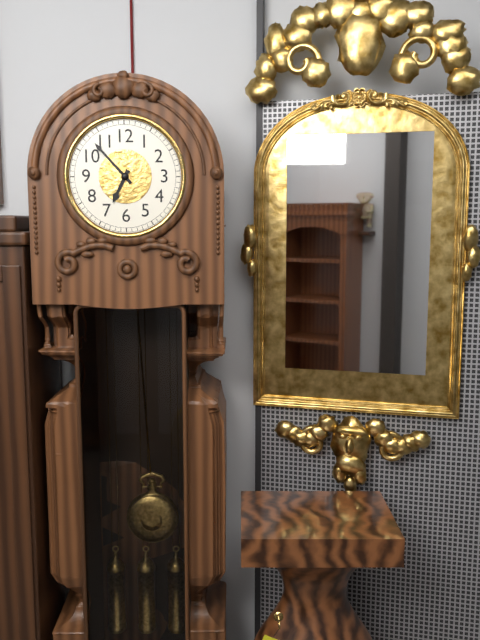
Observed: 6:53
